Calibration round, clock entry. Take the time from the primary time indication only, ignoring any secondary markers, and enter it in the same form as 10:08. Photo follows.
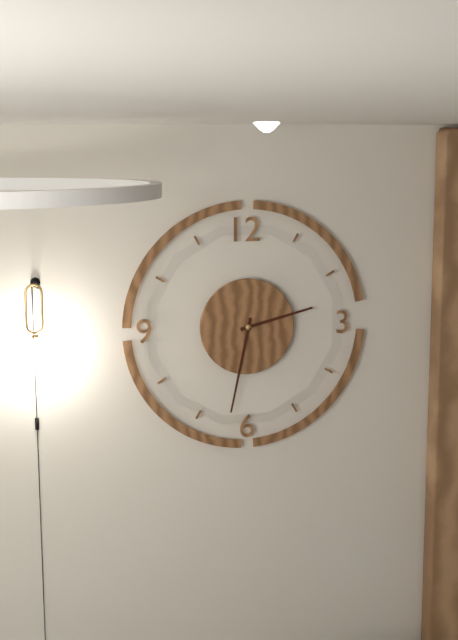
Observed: 2:32
